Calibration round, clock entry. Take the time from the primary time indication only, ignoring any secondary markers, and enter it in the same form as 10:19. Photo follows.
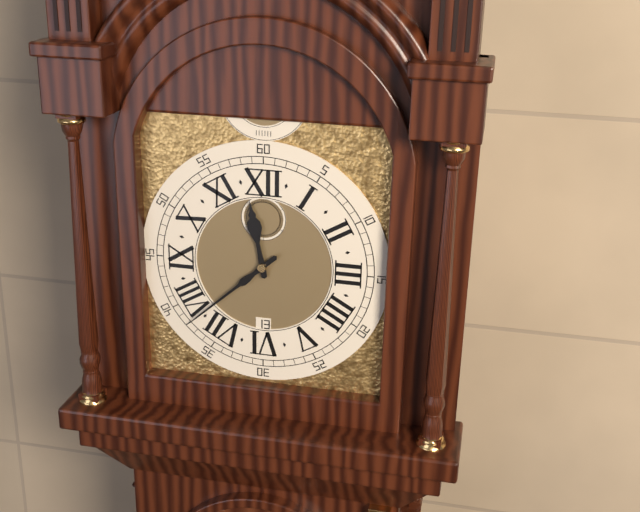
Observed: 11:38
